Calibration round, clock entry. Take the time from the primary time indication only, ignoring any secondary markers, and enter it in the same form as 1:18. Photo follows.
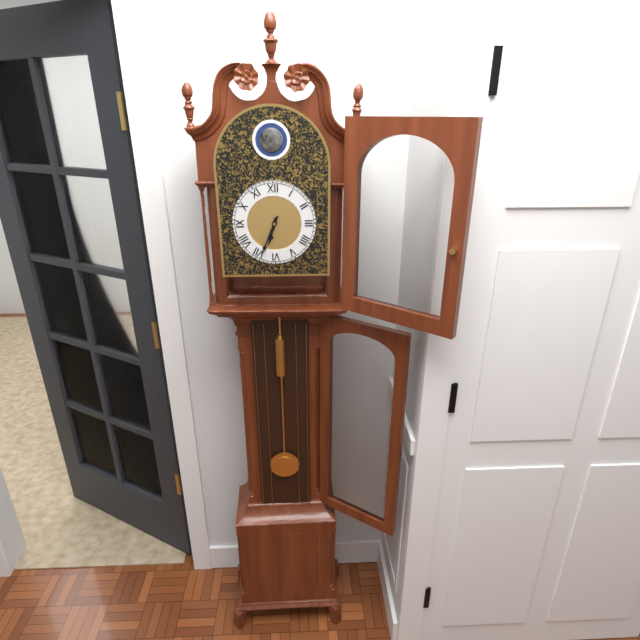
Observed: 6:34
